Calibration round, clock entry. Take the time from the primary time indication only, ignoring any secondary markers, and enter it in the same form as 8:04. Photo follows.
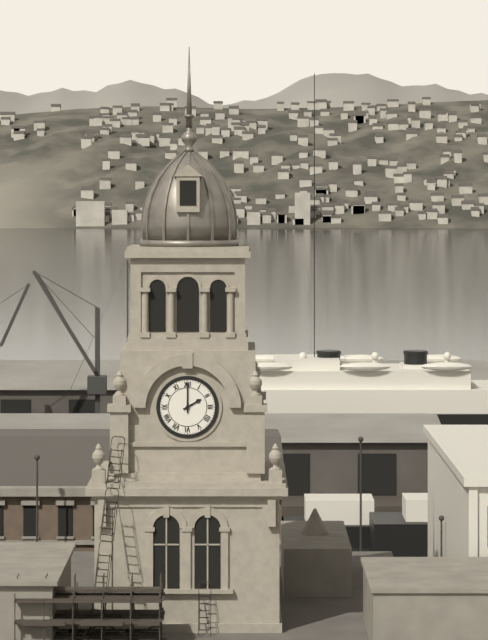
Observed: 2:00
